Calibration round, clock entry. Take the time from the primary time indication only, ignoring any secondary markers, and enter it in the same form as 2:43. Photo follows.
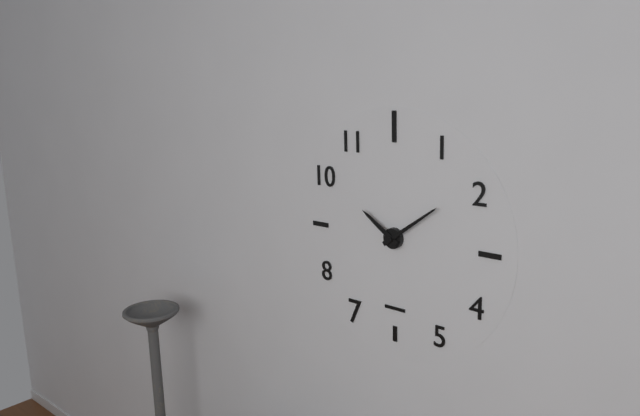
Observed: 10:09
